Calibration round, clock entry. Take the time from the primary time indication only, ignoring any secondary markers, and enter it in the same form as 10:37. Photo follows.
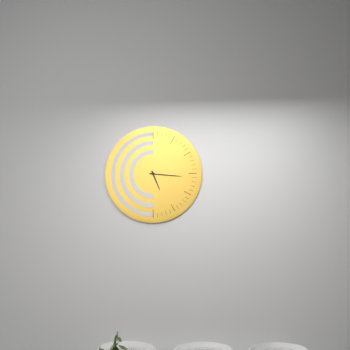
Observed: 5:16
